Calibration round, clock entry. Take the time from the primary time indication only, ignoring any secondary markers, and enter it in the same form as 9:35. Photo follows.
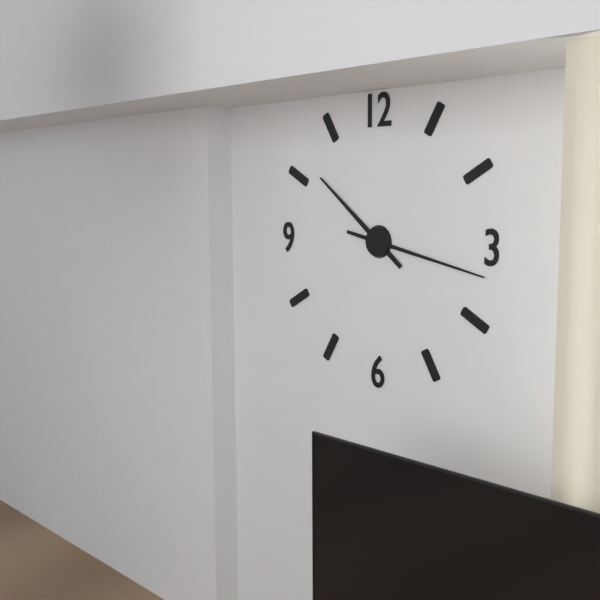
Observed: 10:17
